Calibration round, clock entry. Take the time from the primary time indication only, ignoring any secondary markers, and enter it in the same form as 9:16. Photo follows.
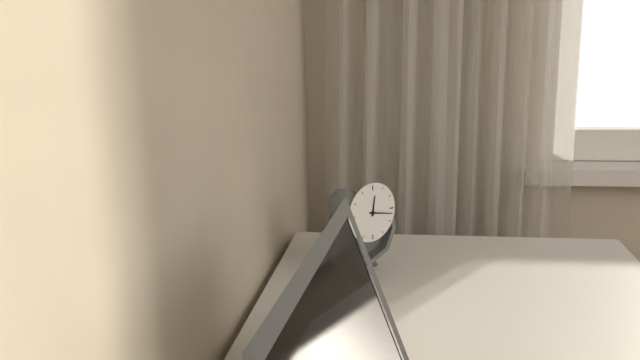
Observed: 12:17
